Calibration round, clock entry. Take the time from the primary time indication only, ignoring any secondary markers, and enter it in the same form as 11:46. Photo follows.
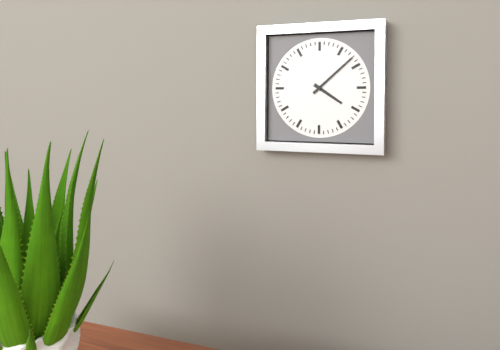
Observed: 4:08
